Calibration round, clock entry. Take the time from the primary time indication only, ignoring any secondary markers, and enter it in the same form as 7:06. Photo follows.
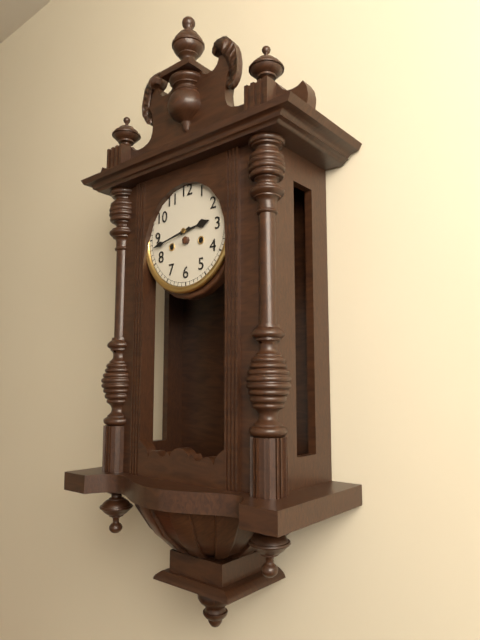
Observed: 2:43
